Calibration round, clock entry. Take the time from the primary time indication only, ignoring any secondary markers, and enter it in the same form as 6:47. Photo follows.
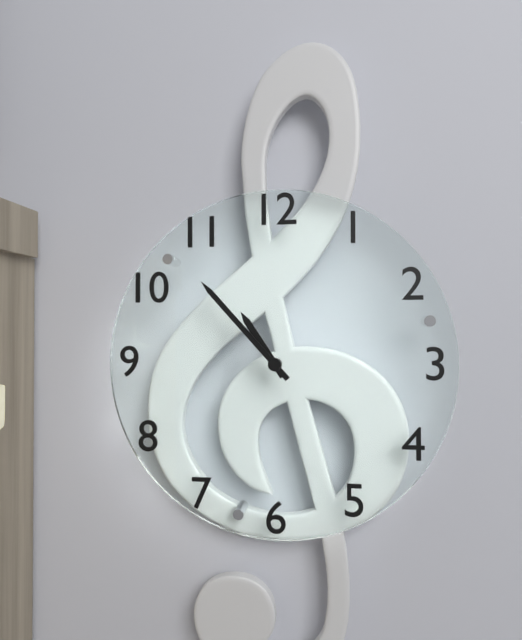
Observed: 10:53
